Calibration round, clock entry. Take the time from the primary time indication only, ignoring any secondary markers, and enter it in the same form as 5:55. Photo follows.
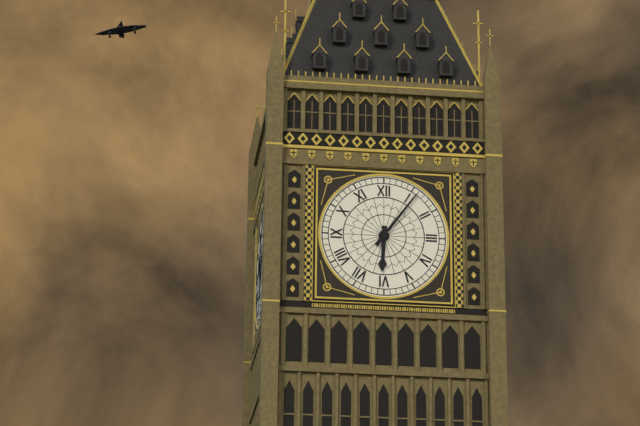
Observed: 6:06
